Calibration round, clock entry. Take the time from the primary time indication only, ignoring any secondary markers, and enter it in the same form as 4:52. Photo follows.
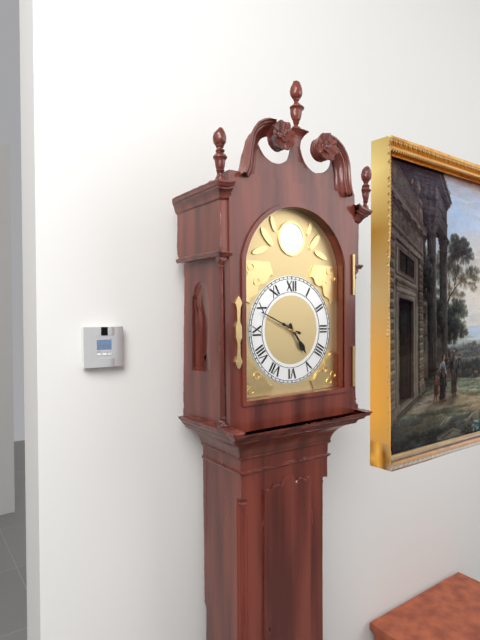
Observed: 4:49
